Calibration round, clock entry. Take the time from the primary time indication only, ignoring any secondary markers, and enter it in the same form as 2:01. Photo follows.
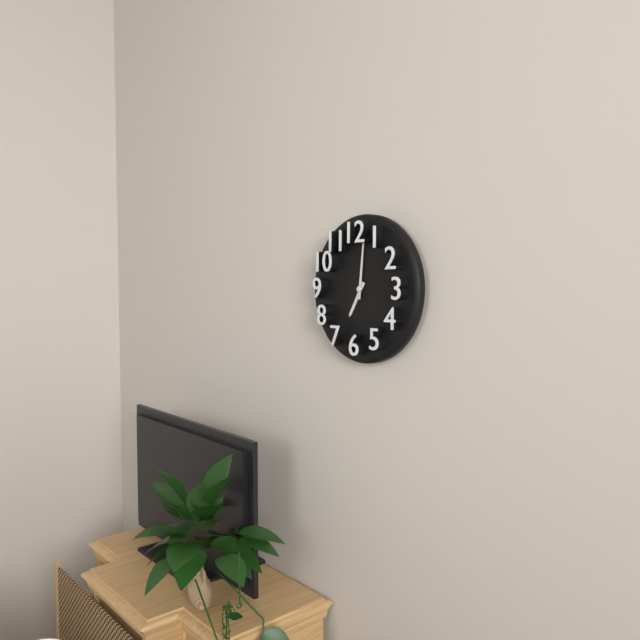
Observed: 7:01
